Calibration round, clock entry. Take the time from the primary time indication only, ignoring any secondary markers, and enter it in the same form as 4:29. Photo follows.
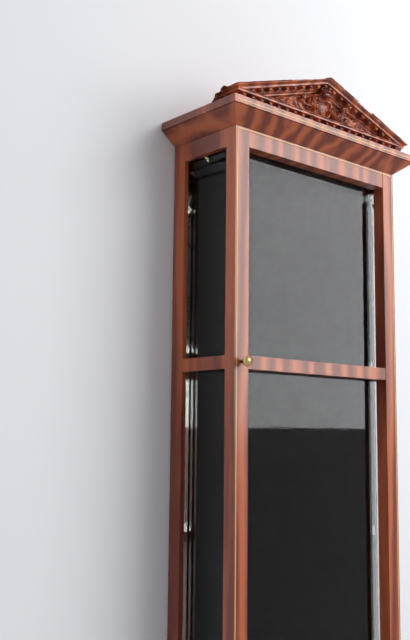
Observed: 4:47
